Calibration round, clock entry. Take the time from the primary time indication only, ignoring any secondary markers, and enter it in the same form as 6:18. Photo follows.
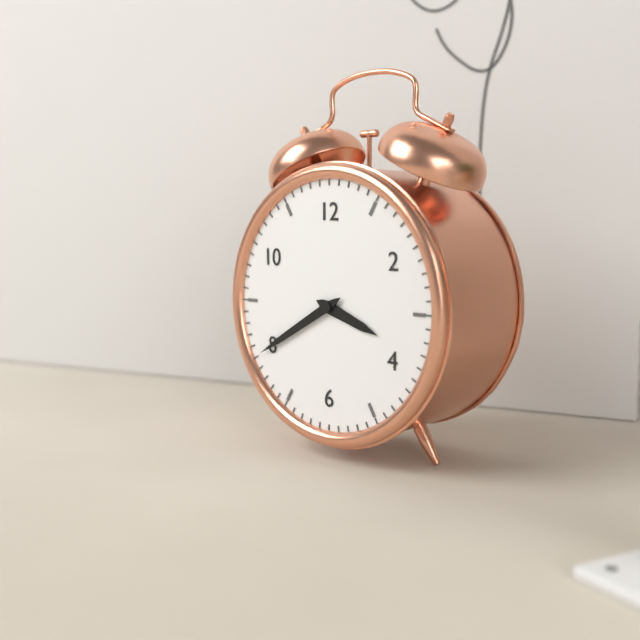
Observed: 3:40
